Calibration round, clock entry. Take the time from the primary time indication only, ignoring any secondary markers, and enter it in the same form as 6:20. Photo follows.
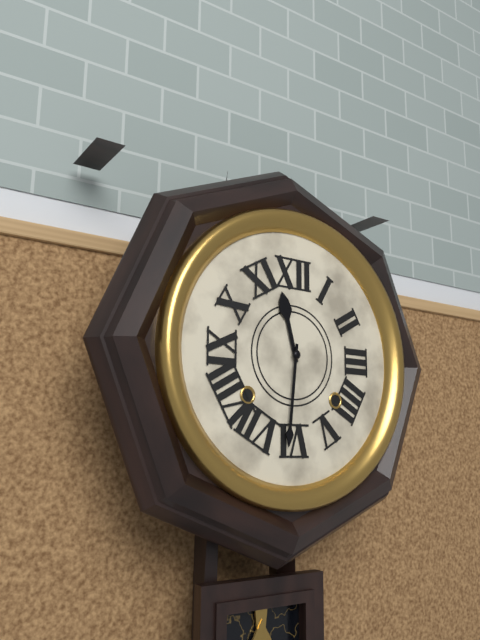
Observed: 11:31
